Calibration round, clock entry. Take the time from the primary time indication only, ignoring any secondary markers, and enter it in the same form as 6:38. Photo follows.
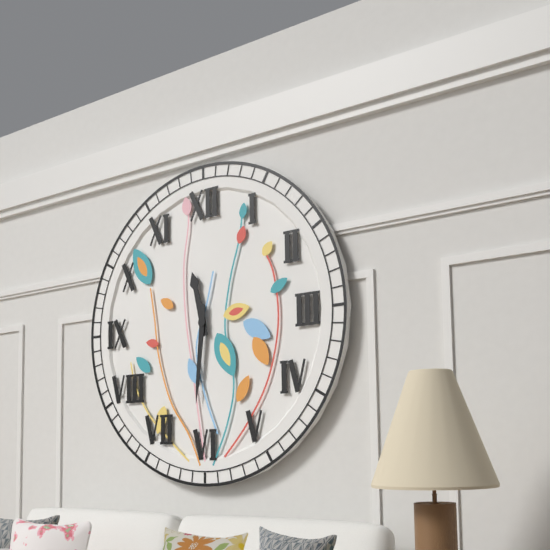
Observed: 11:31
